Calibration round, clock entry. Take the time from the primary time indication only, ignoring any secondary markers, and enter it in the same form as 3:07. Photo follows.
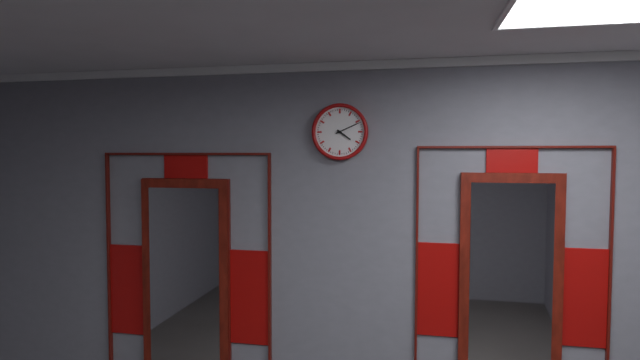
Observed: 4:11
